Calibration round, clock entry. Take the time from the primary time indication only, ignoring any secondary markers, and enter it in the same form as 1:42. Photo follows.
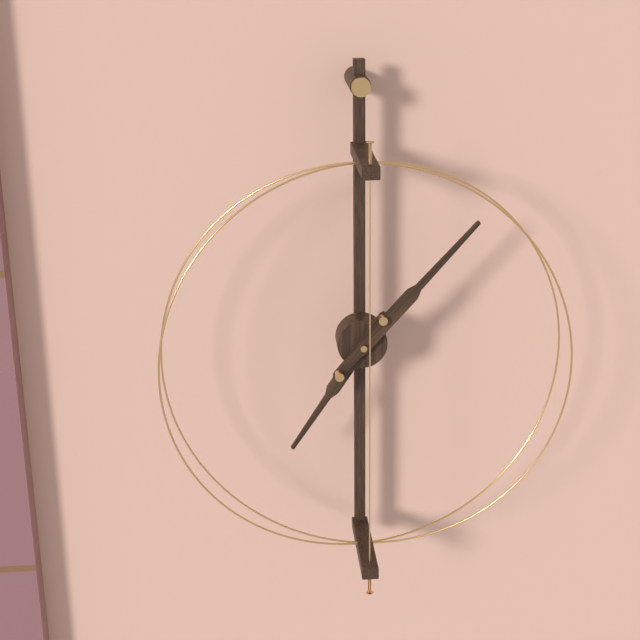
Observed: 7:07
